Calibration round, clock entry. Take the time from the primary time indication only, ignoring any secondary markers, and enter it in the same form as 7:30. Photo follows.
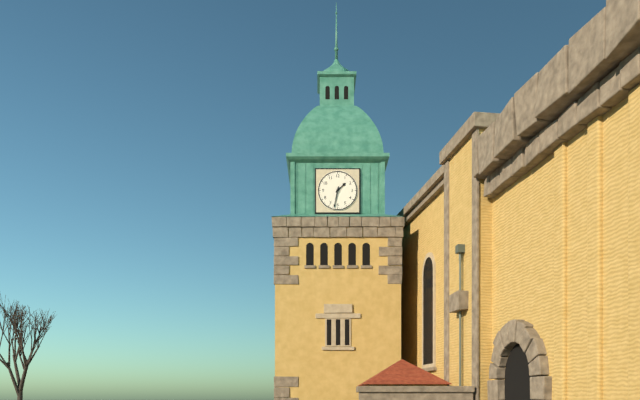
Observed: 1:32
